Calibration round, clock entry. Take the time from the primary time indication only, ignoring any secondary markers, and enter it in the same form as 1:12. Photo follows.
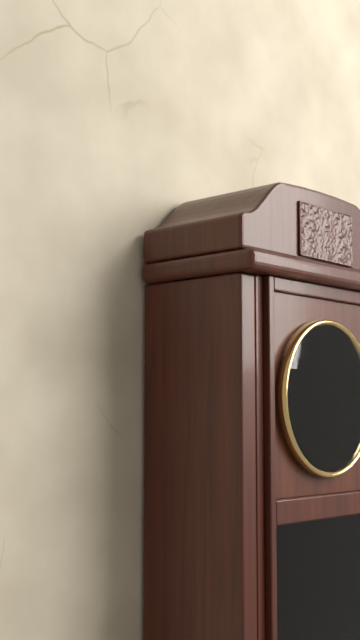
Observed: 2:02
